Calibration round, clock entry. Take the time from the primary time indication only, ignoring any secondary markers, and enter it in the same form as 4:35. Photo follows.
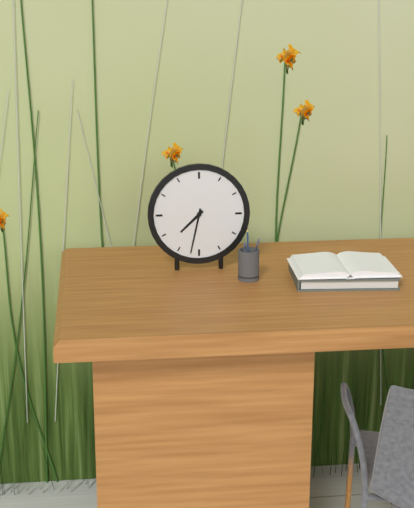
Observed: 7:32
